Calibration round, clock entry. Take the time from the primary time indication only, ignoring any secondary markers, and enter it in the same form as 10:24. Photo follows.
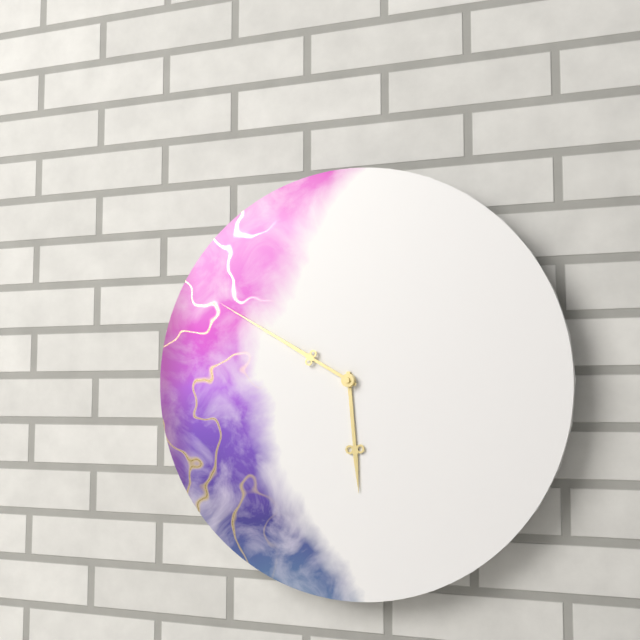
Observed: 5:50
